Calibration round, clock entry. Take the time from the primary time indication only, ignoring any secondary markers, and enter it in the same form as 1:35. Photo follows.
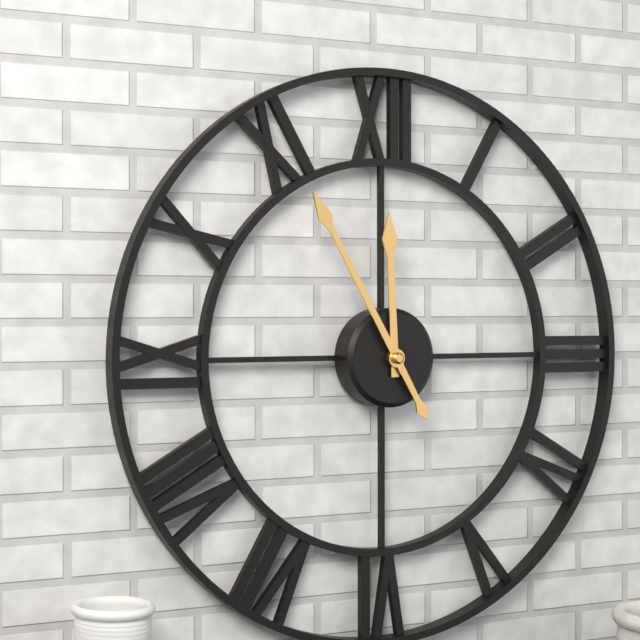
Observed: 11:55
